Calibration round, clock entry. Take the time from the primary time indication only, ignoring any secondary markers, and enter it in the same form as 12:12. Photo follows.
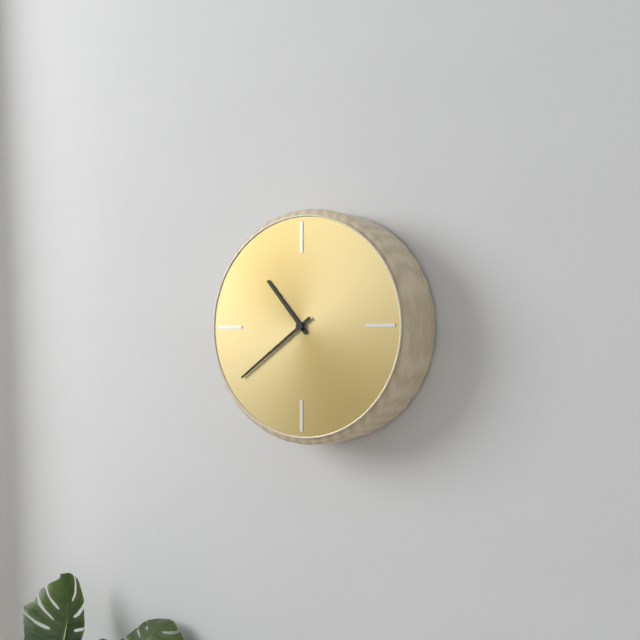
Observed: 10:39
